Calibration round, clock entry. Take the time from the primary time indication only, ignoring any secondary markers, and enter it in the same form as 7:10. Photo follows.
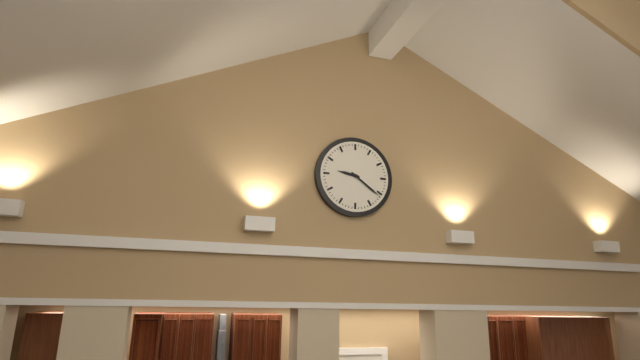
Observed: 9:21
